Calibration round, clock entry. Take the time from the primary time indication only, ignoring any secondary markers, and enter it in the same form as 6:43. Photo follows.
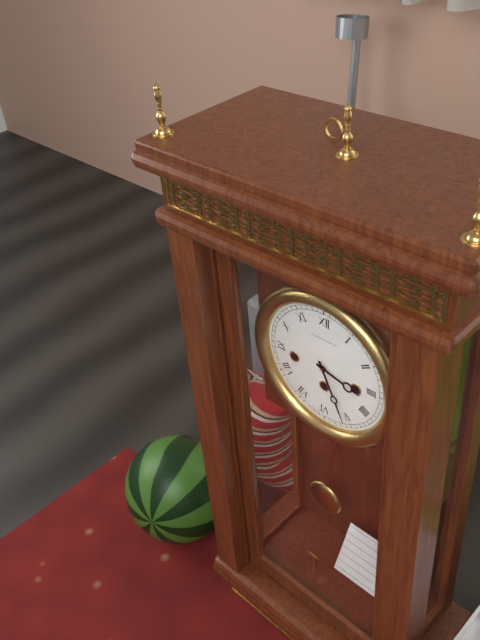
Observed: 3:26
